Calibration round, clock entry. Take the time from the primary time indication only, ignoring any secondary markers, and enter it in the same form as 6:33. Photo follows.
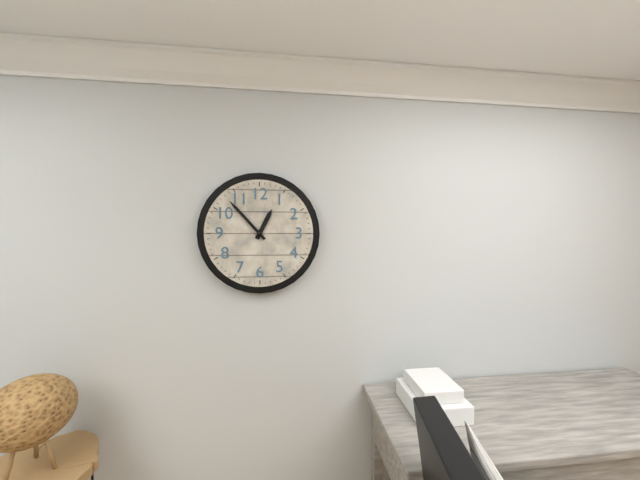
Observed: 12:53
